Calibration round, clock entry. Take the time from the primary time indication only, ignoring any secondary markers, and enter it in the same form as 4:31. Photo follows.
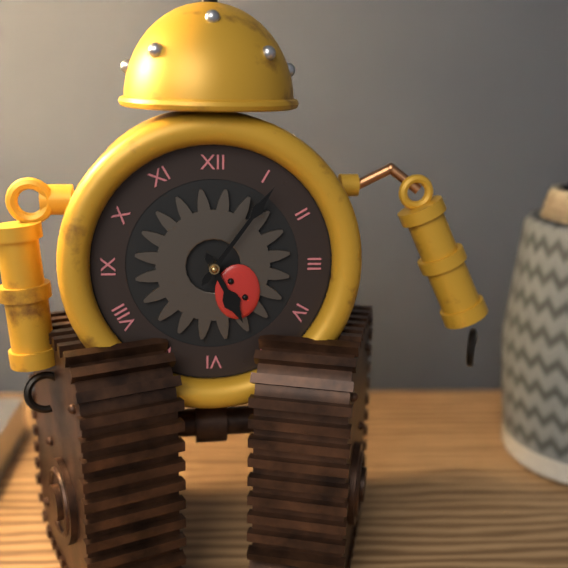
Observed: 5:06
